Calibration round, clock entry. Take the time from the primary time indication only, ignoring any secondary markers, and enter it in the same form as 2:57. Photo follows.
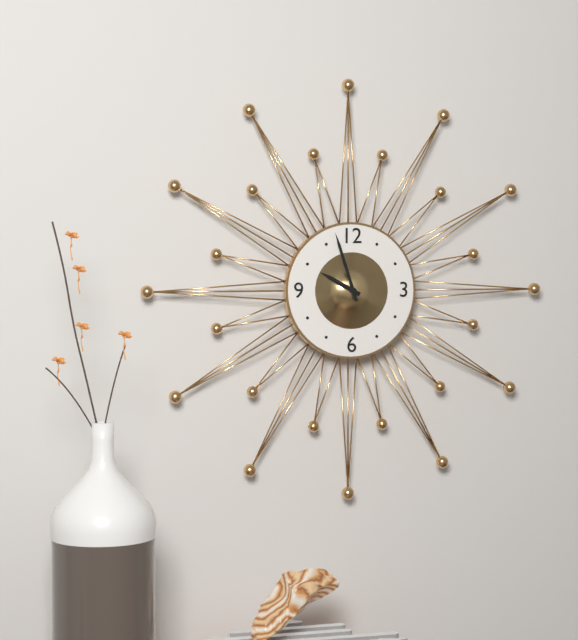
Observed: 9:57
